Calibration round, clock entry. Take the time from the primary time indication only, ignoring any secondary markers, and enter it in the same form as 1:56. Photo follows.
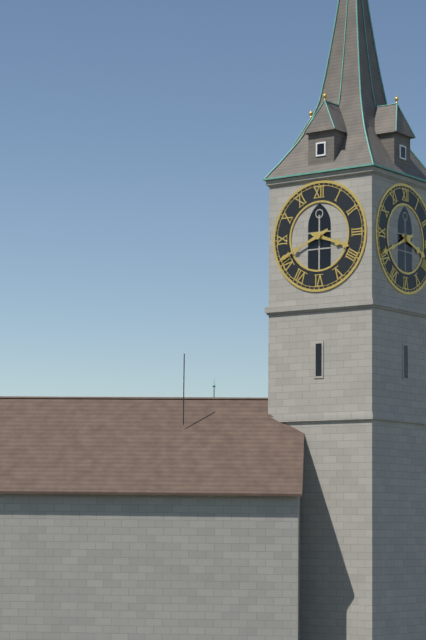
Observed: 3:41
